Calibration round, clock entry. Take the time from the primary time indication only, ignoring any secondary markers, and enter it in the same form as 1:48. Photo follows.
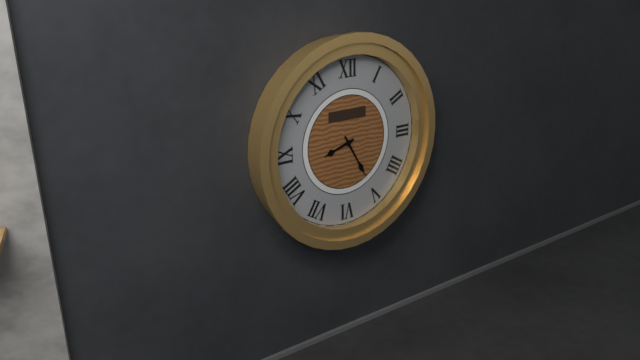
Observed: 8:25
